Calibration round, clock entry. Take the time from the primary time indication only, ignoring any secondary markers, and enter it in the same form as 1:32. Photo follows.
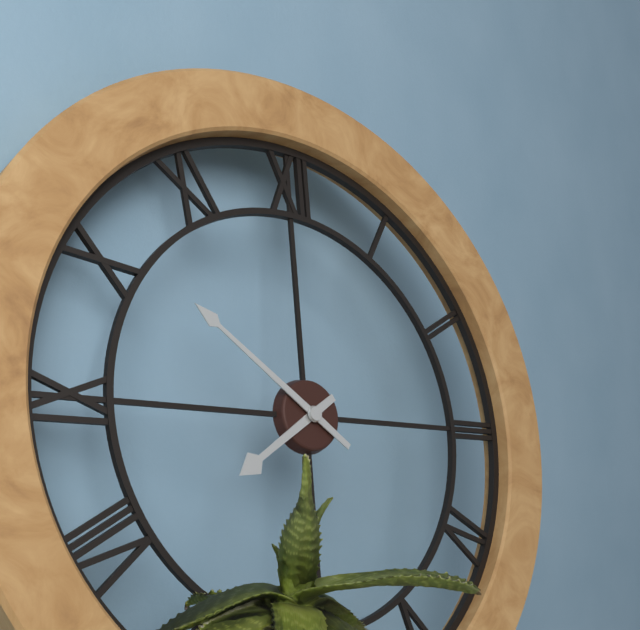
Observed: 7:51
